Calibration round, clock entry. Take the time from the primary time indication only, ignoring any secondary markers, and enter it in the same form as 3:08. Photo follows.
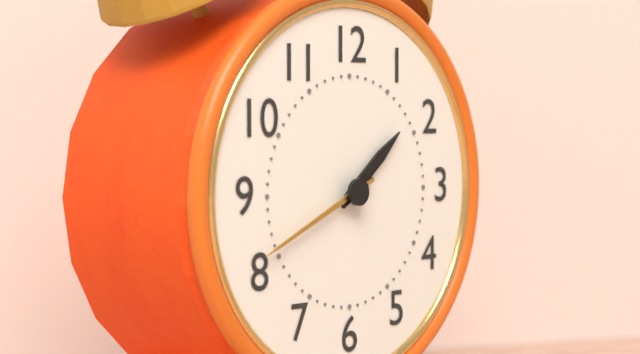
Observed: 1:41
